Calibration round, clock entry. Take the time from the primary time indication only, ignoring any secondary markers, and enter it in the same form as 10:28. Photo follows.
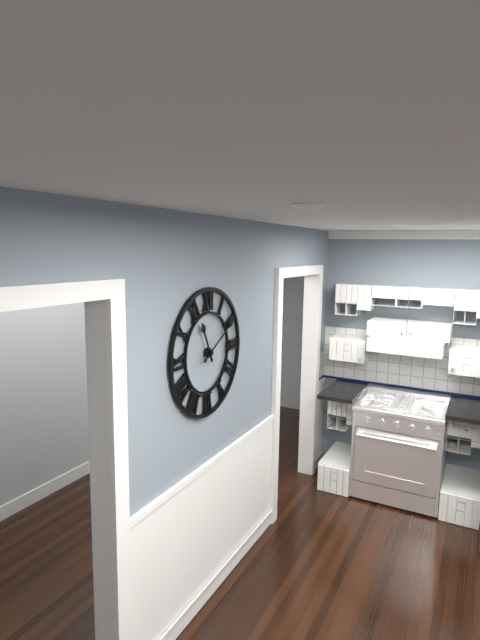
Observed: 11:10
